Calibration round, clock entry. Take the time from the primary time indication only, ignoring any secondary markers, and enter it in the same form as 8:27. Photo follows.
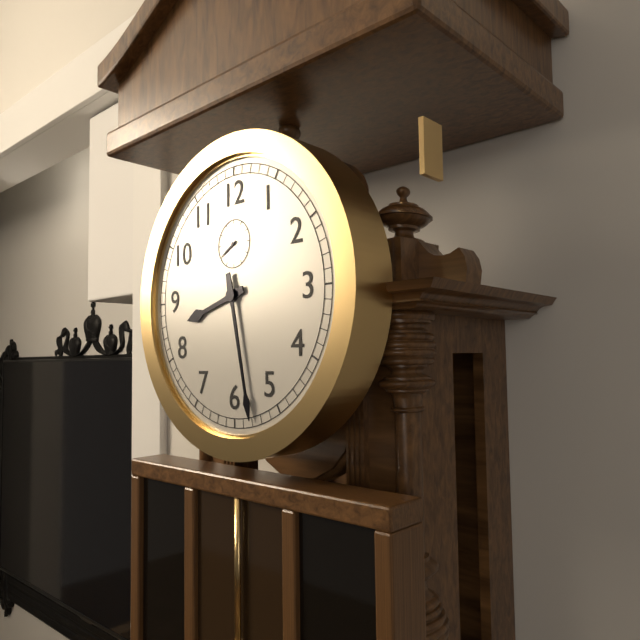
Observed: 8:28
